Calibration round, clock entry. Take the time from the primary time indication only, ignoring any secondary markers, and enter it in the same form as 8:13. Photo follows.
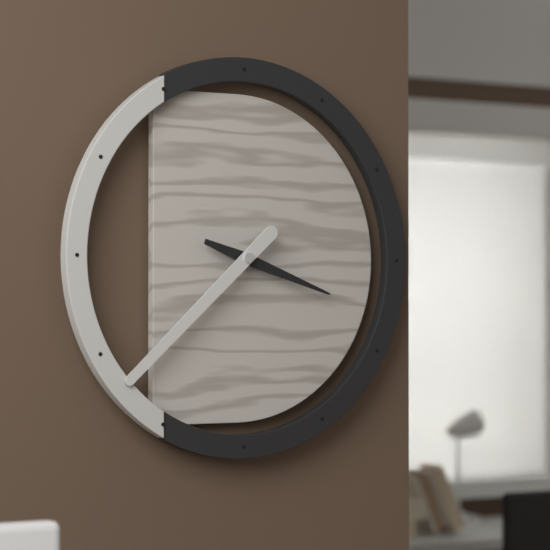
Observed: 3:38
